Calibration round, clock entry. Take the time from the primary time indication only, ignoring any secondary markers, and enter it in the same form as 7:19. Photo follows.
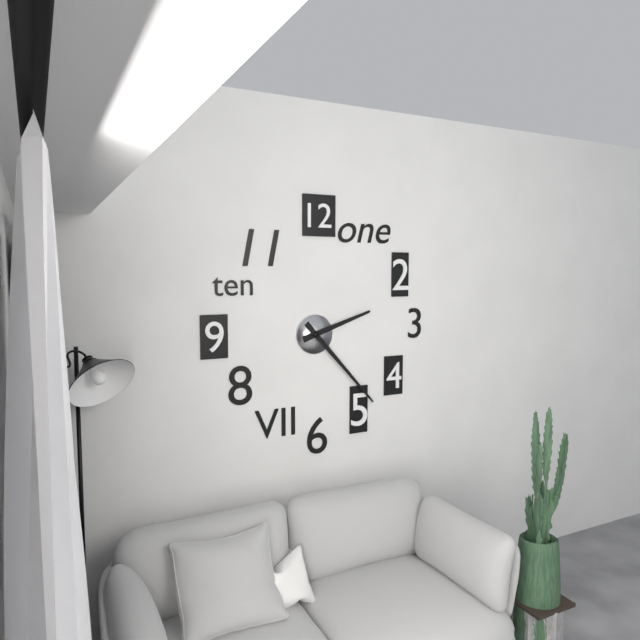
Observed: 2:23
